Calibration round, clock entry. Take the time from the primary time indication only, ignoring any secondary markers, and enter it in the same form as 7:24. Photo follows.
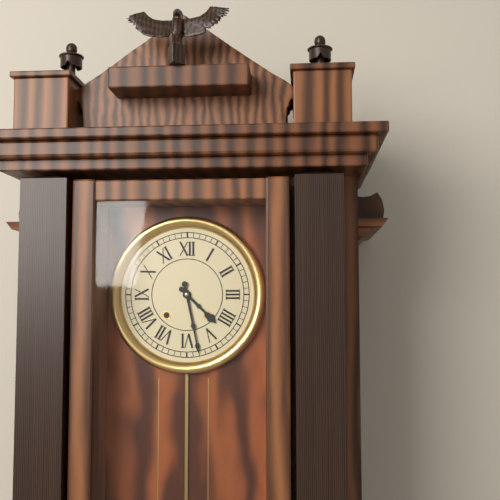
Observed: 4:28
